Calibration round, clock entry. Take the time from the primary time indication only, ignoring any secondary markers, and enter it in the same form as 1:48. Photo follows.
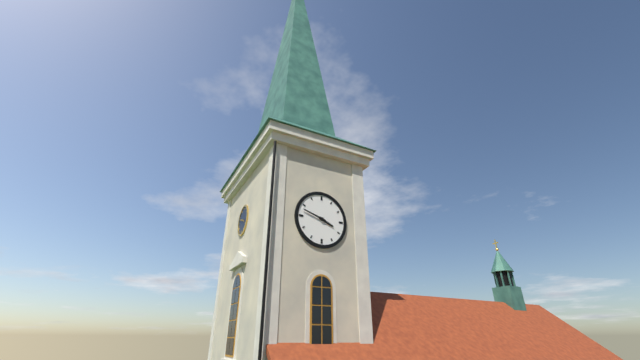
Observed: 3:48
